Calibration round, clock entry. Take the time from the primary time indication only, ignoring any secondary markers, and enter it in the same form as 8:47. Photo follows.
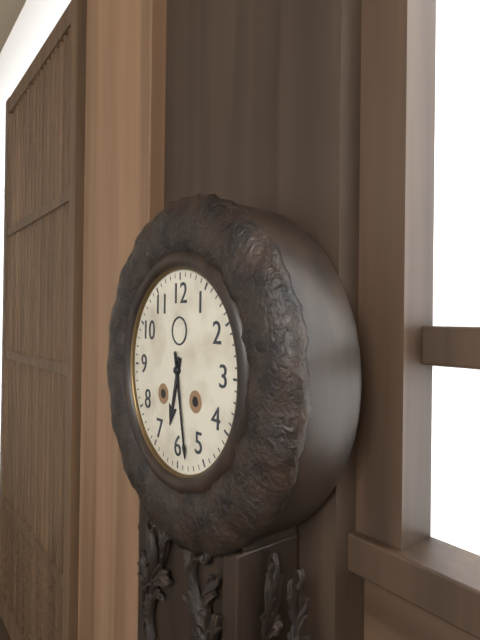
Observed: 6:28
